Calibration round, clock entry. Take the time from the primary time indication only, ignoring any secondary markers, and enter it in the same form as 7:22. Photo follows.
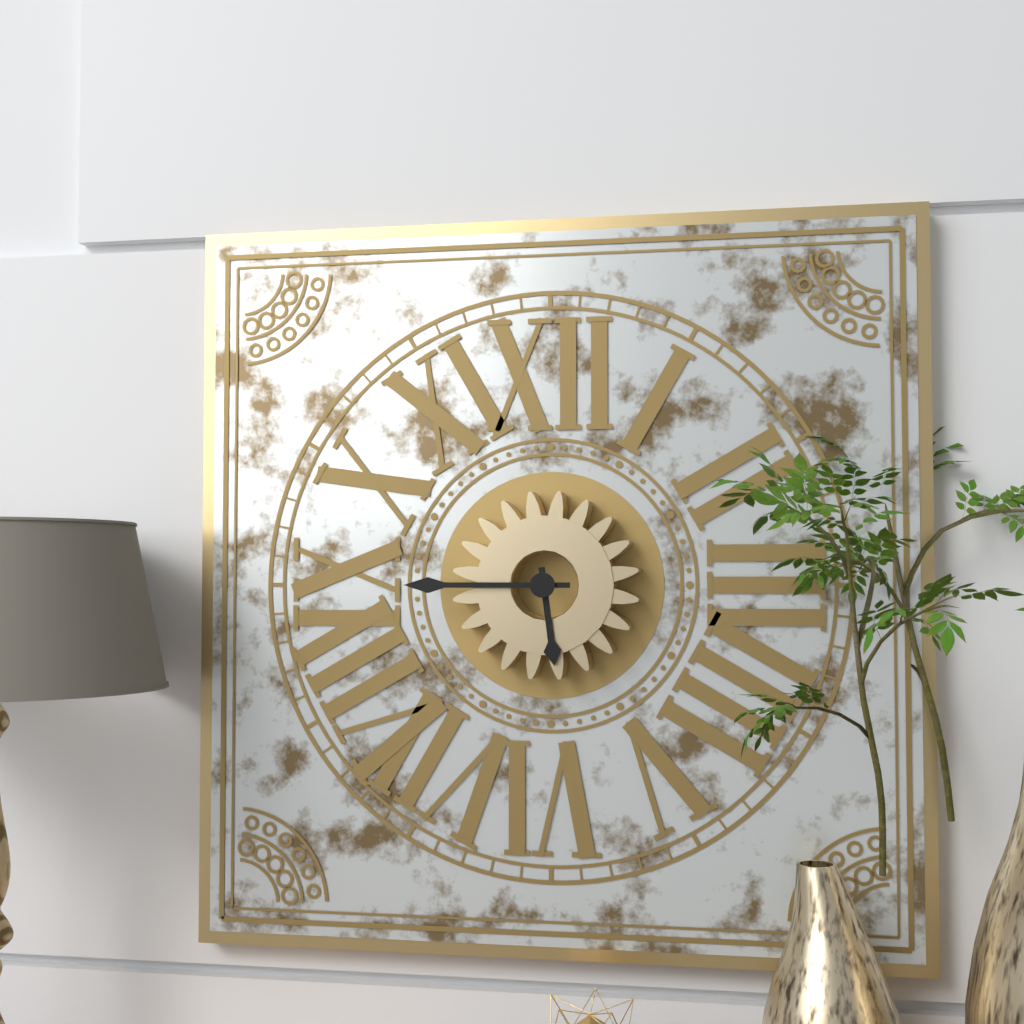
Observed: 5:45
